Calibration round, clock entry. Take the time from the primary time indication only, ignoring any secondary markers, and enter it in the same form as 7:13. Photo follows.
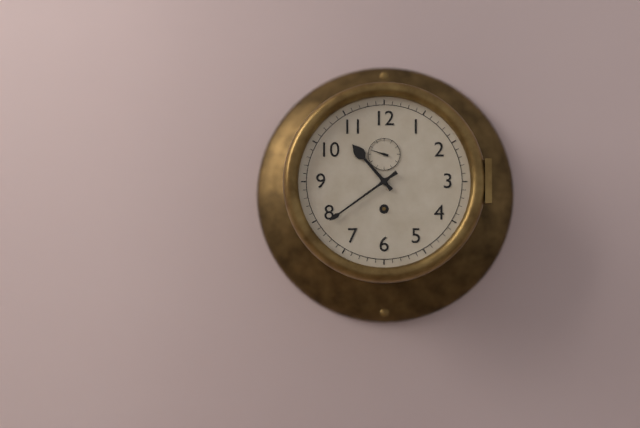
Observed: 10:39
